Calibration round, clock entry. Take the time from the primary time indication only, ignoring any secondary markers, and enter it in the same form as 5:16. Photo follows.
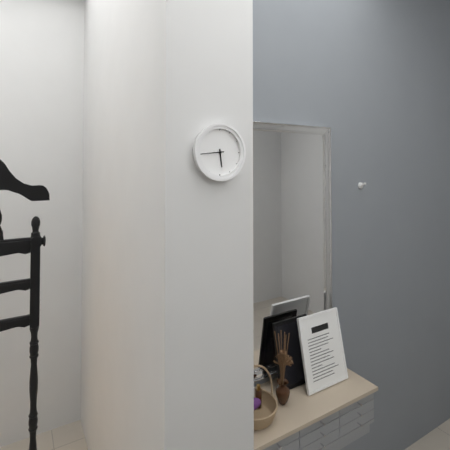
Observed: 5:44
